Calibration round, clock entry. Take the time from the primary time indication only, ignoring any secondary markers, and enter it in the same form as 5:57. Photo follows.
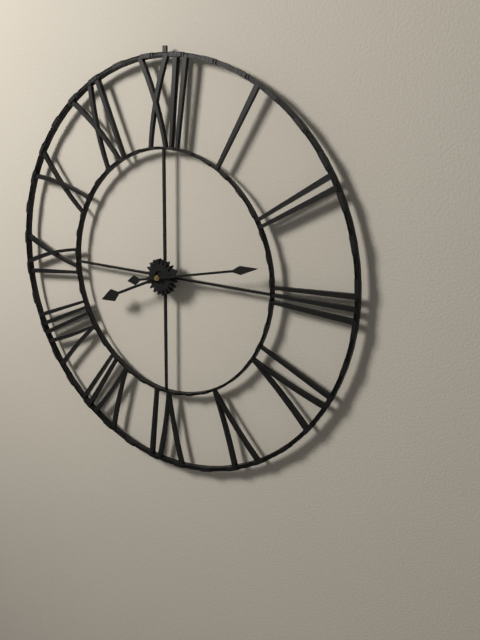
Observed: 8:13
